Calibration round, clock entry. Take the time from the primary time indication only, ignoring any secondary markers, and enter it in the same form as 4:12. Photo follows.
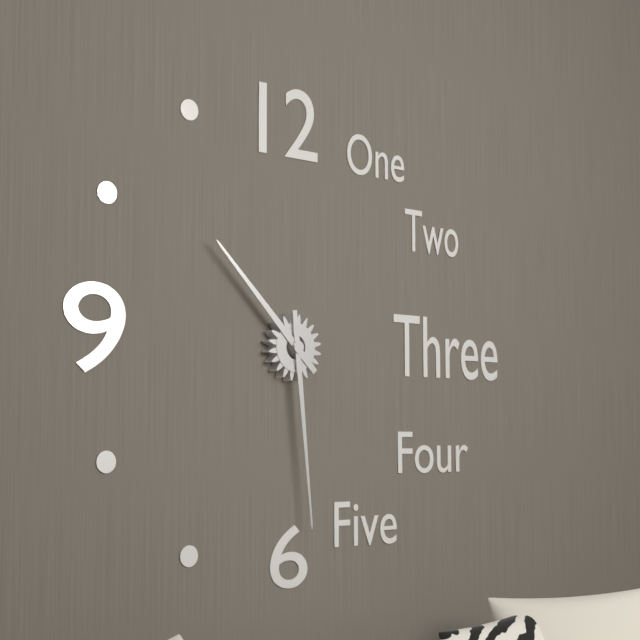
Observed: 10:29
